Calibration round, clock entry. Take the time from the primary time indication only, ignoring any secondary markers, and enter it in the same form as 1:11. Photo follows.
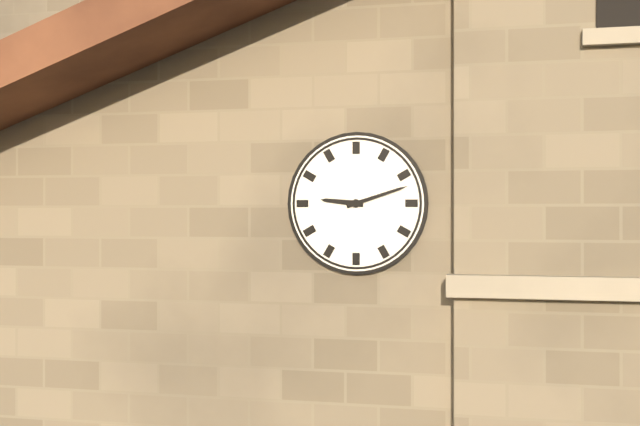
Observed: 9:12
